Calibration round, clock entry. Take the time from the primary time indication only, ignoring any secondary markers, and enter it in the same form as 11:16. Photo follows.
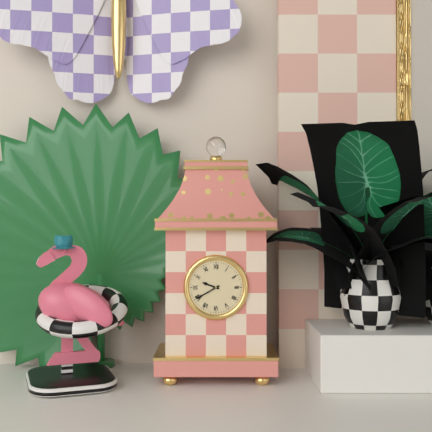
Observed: 9:40
